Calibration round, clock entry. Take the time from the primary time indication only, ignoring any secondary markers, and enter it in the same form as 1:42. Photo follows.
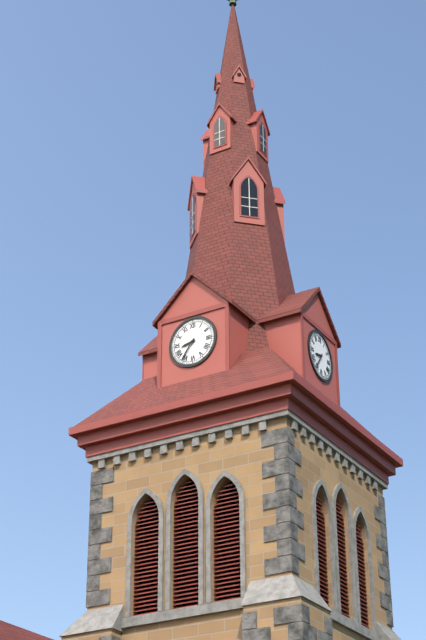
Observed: 8:36
